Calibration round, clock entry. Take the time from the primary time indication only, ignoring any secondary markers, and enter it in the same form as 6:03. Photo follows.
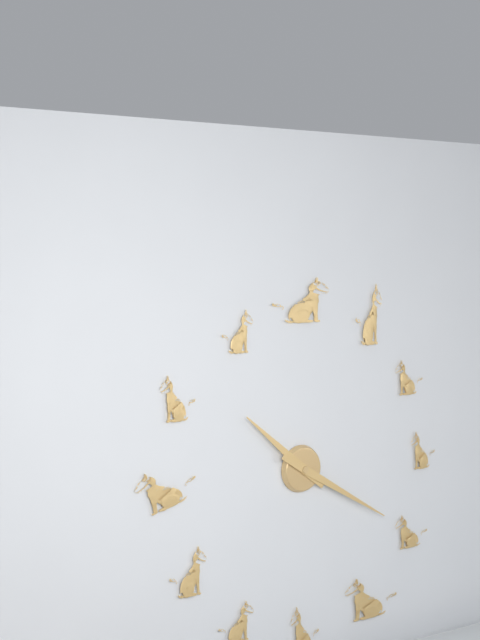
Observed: 10:20
